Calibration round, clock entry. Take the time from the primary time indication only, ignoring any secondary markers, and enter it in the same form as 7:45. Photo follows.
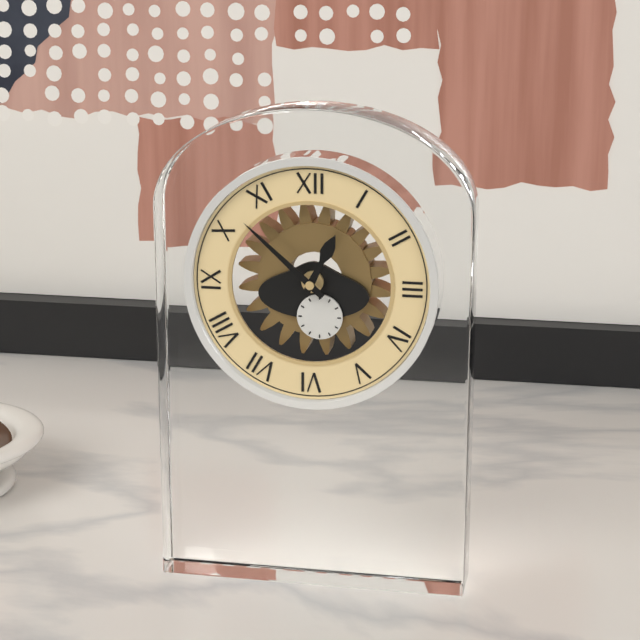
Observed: 12:52
